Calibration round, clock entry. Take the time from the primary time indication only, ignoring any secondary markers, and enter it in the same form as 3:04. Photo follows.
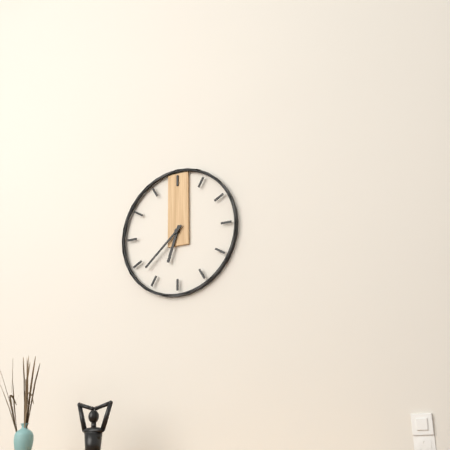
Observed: 6:38
